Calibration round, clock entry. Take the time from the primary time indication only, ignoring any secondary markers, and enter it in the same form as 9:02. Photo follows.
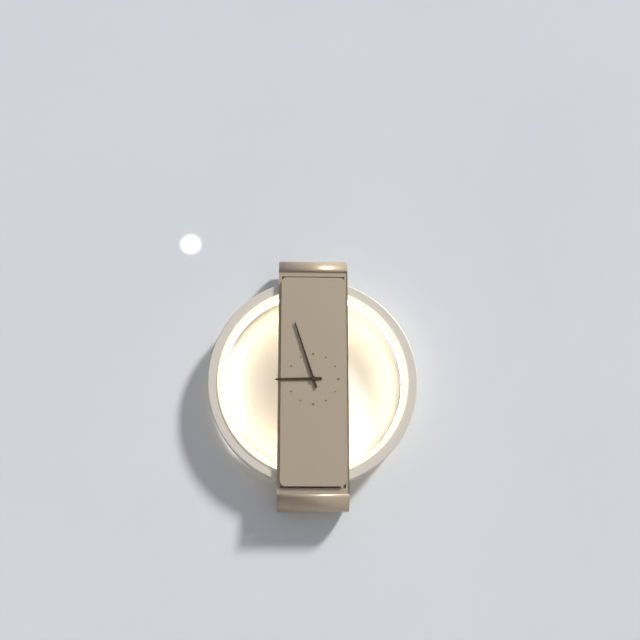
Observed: 8:57
